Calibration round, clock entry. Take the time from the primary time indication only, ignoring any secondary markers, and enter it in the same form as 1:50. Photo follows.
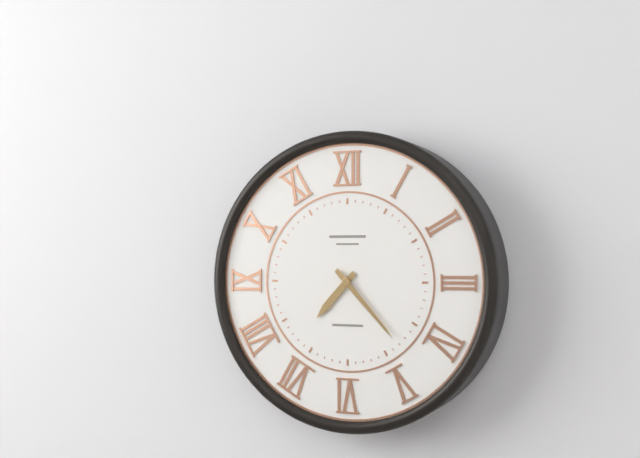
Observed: 7:23
